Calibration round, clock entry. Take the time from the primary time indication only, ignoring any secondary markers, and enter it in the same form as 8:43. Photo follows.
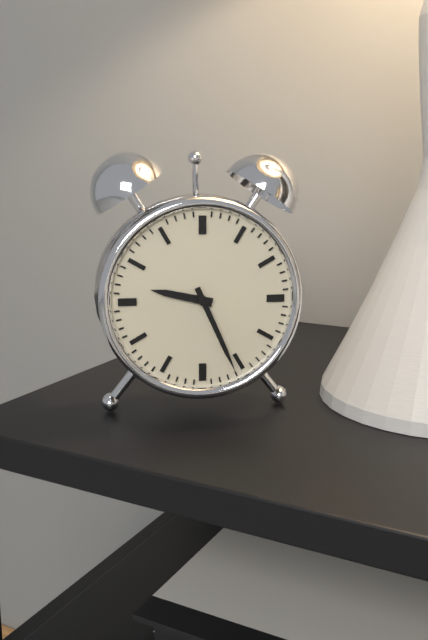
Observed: 9:26
